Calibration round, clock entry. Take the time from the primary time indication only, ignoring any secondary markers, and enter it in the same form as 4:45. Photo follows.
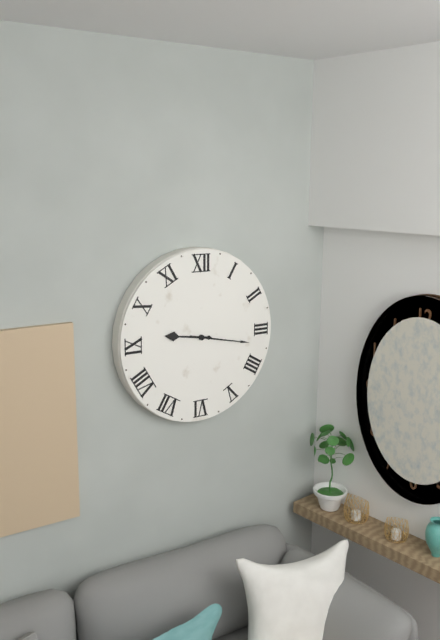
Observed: 9:17
